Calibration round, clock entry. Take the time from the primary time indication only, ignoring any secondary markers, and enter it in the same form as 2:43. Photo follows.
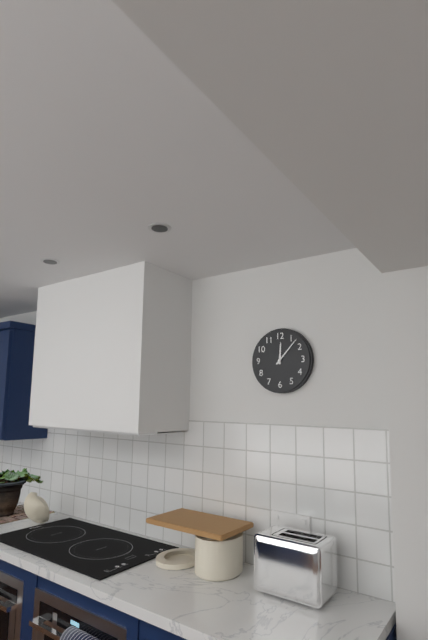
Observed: 12:07
